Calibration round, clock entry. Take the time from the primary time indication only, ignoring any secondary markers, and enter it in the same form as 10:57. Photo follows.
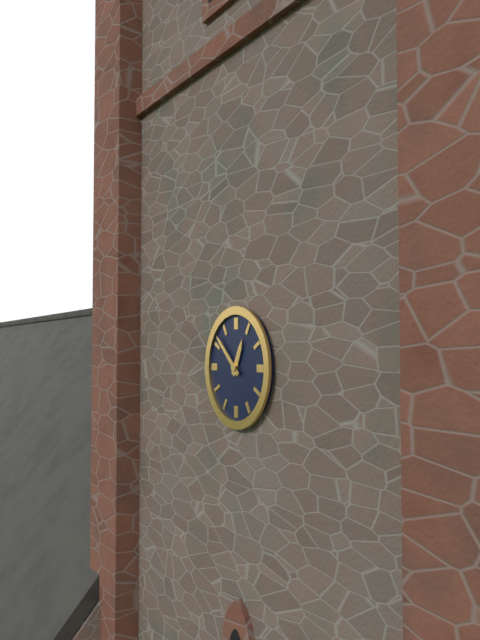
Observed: 12:52
